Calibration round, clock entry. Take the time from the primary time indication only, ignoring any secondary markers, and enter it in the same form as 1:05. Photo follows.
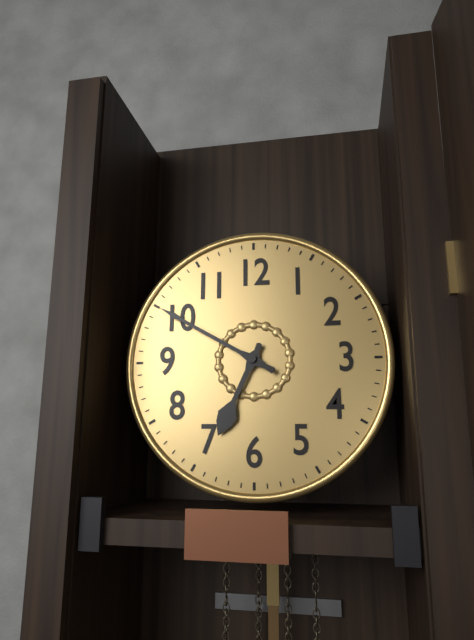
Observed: 6:50
